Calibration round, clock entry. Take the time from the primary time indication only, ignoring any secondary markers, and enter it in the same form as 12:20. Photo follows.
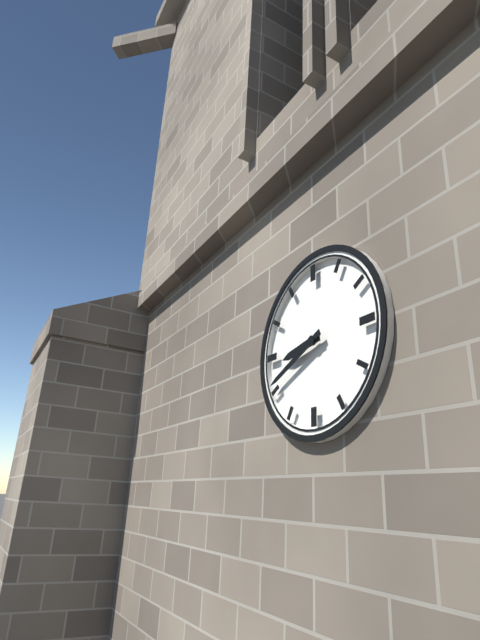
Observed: 8:41
